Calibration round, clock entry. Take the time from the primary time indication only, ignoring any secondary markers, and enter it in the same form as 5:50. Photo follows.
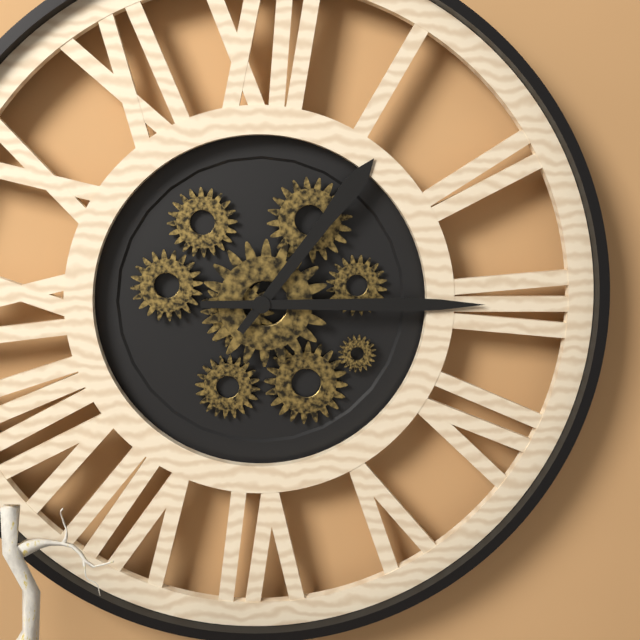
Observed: 1:15
